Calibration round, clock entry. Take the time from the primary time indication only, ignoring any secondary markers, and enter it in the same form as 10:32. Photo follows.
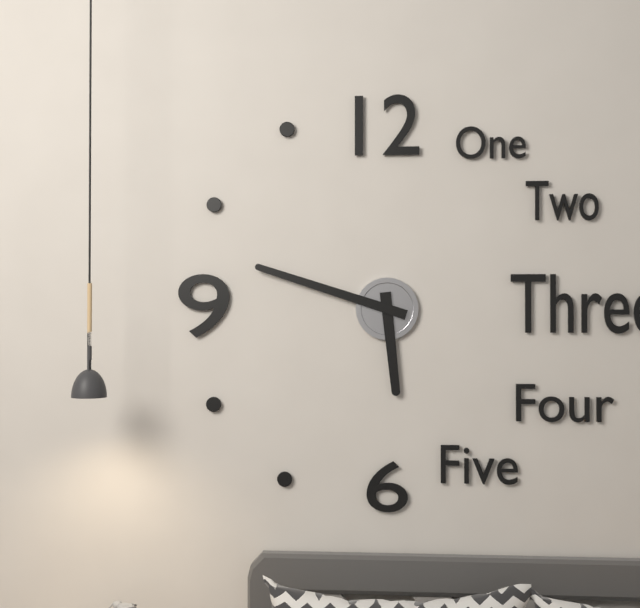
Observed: 5:48
